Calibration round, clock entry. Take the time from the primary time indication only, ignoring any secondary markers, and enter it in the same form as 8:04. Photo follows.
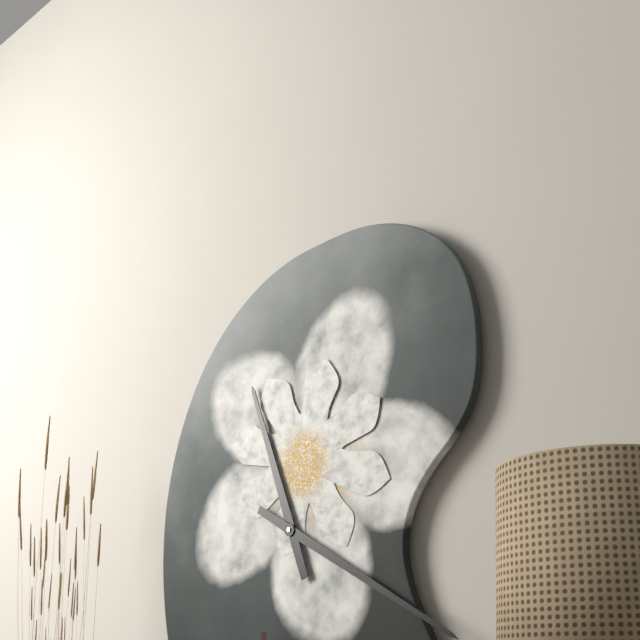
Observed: 11:20
